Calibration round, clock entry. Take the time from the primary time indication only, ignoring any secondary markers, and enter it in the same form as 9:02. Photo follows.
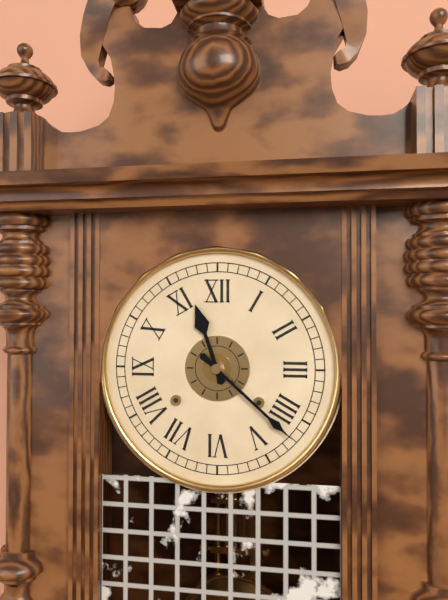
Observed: 11:22
